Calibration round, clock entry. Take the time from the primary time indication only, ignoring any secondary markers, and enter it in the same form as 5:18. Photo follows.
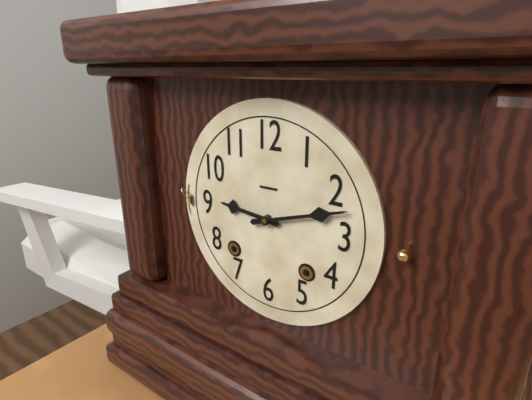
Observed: 9:12
